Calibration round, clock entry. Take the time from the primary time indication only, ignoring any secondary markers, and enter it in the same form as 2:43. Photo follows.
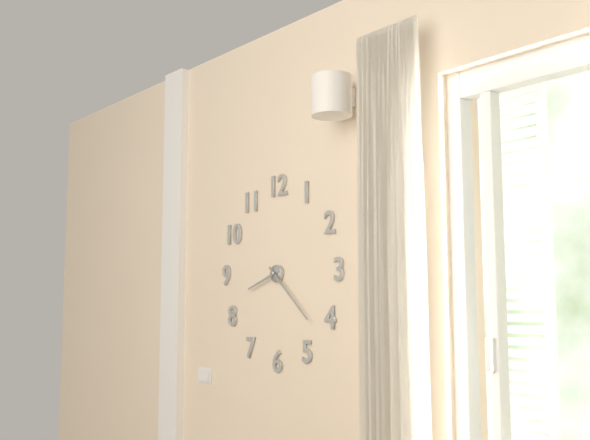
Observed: 8:22
